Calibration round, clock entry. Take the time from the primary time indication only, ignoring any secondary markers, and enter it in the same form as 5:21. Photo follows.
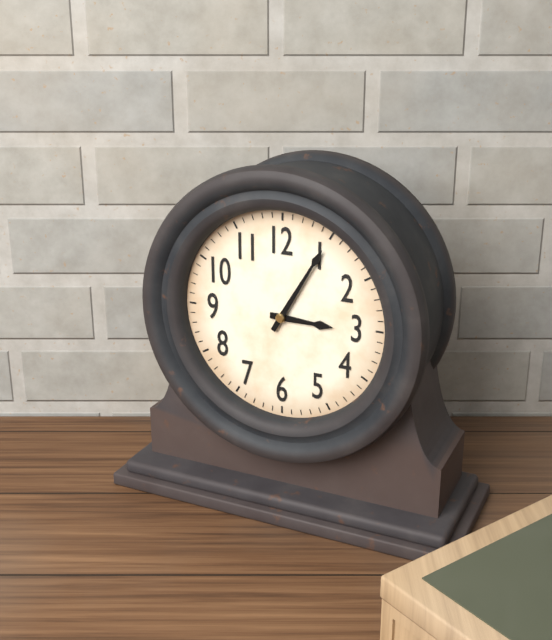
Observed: 3:05
